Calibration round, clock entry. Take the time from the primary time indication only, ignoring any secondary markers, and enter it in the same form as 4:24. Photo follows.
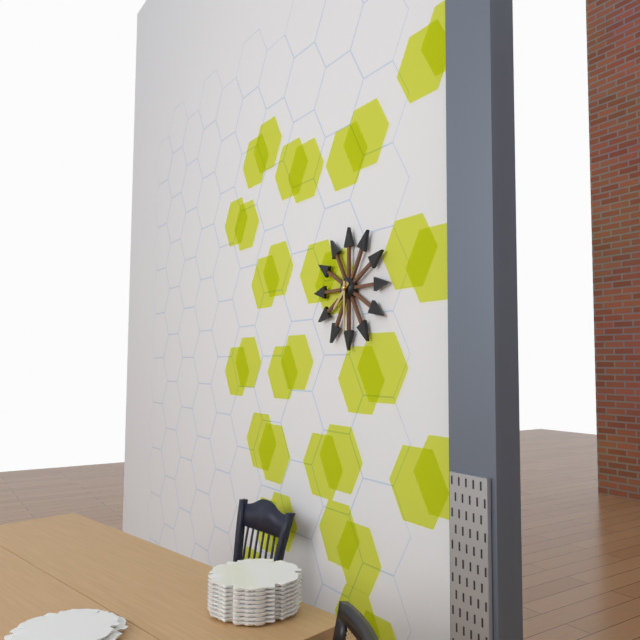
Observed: 7:30
